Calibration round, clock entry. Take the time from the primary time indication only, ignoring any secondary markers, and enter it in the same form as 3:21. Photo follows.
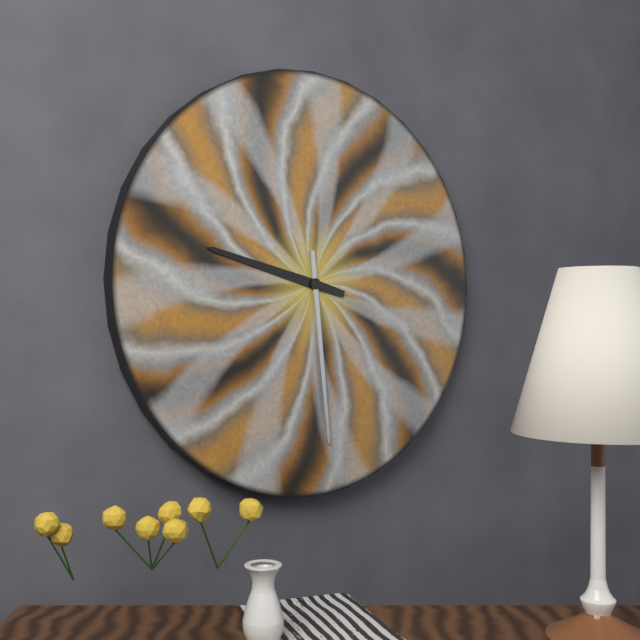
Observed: 9:29
